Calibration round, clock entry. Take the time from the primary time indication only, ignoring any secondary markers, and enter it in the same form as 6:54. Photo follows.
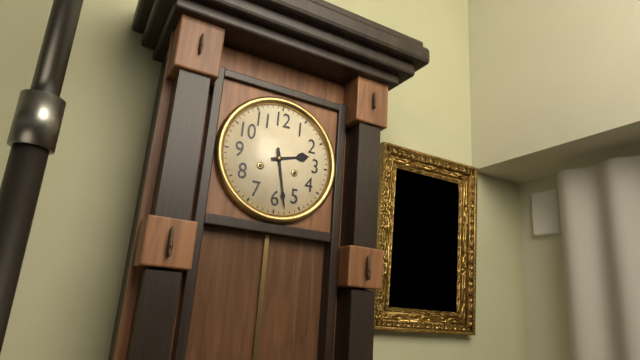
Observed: 2:28
